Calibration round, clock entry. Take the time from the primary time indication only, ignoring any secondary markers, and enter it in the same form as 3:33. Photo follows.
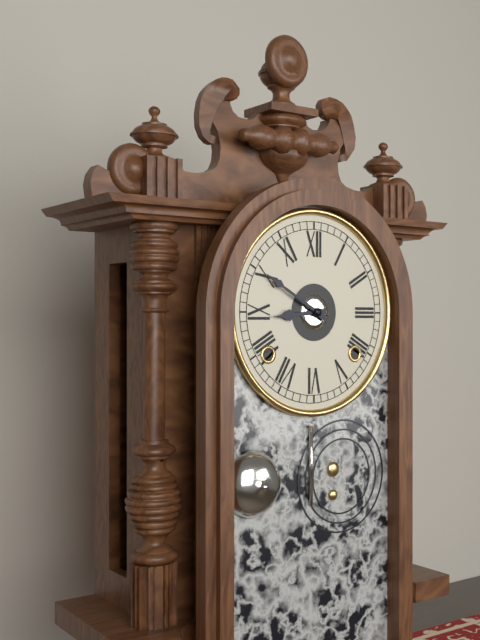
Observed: 8:50
